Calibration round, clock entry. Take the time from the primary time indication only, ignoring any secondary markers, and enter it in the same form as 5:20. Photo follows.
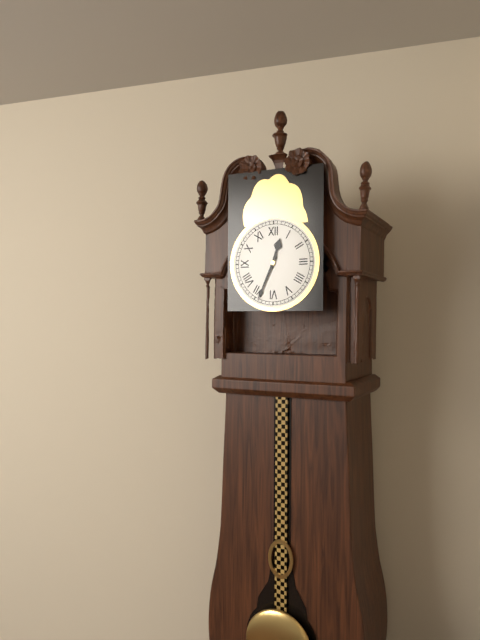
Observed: 12:34
